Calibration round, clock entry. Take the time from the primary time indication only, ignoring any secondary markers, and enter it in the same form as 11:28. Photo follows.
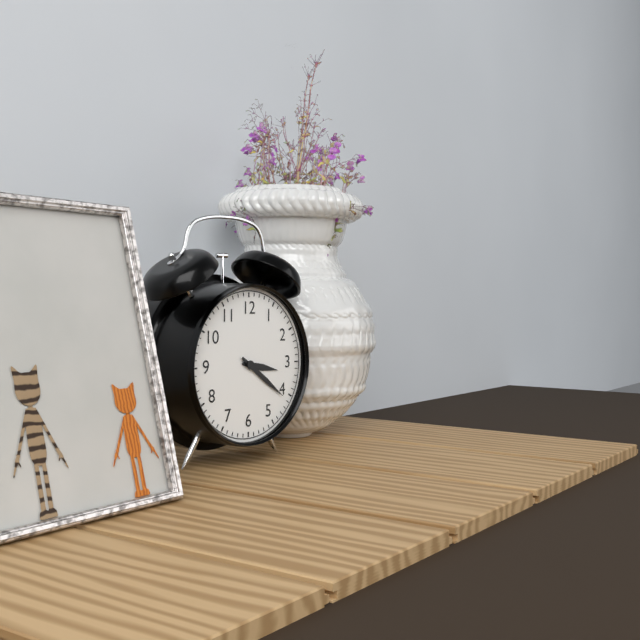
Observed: 3:21
